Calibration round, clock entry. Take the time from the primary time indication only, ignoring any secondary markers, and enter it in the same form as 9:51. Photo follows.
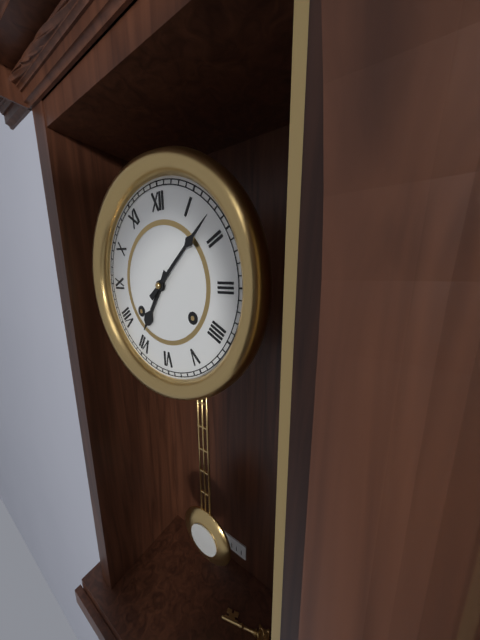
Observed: 7:08
